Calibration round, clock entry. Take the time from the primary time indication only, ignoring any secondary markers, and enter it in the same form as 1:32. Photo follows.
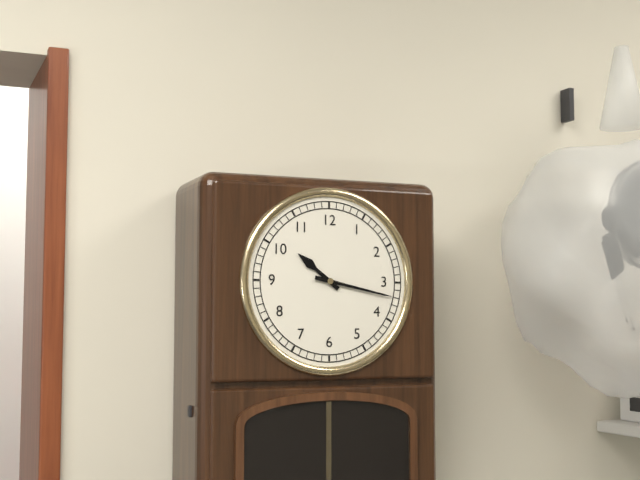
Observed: 10:17
